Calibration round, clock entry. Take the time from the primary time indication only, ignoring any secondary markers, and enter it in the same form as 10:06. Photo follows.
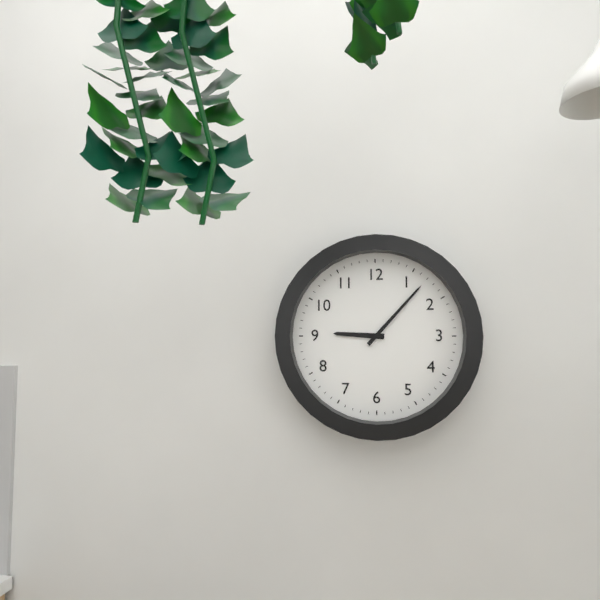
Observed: 9:07
